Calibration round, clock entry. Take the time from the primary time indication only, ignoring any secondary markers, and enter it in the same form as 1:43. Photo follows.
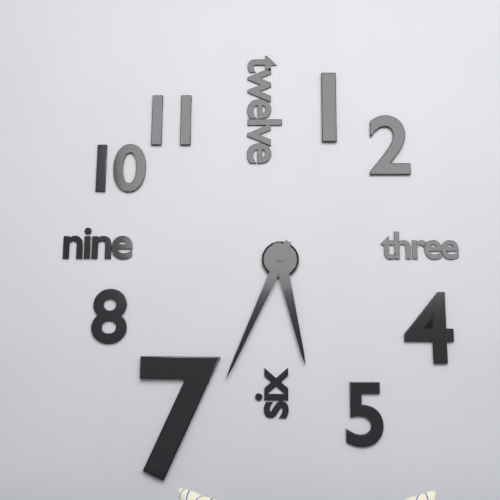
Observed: 5:34
